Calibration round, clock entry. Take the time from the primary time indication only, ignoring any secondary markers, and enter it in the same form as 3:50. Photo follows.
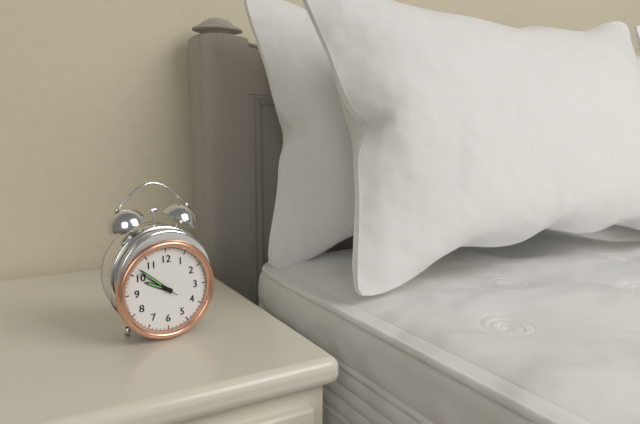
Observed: 9:52
